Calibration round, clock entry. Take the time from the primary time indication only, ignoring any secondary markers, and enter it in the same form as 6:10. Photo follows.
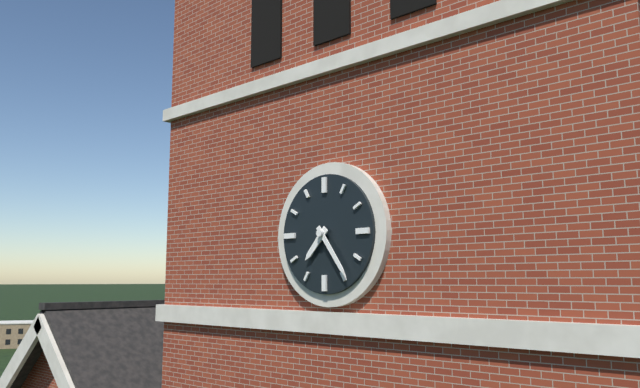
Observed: 7:24
